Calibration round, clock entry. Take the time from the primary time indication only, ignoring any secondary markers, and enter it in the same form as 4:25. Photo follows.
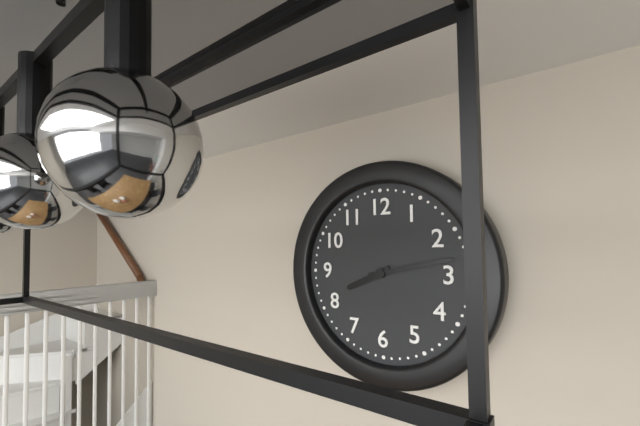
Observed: 8:13
